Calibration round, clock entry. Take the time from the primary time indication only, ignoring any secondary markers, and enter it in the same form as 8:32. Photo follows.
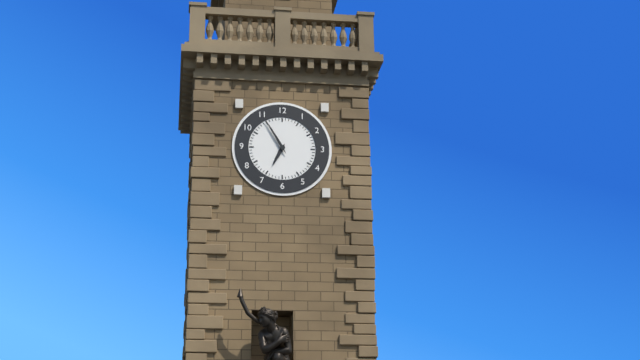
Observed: 6:55
